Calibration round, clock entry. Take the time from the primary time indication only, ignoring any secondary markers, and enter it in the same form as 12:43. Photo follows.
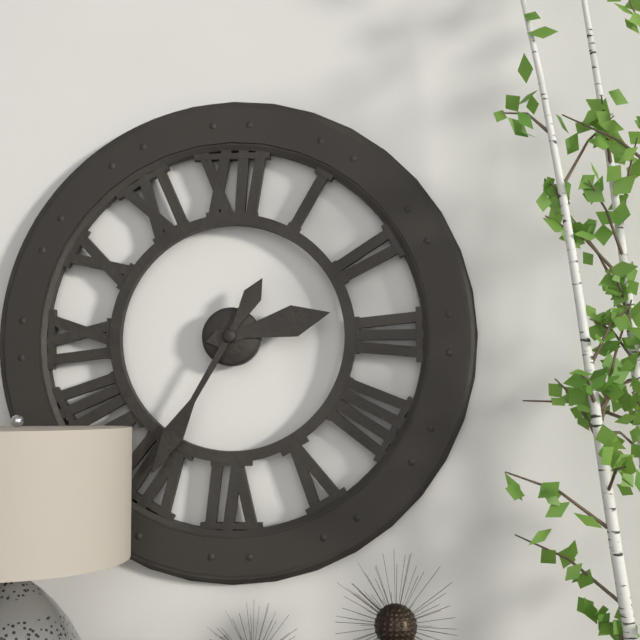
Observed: 2:35
